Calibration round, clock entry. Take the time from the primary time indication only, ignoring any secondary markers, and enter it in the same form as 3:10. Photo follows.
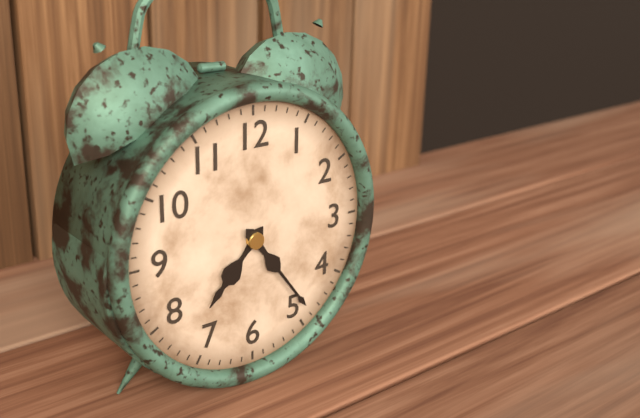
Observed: 7:24
